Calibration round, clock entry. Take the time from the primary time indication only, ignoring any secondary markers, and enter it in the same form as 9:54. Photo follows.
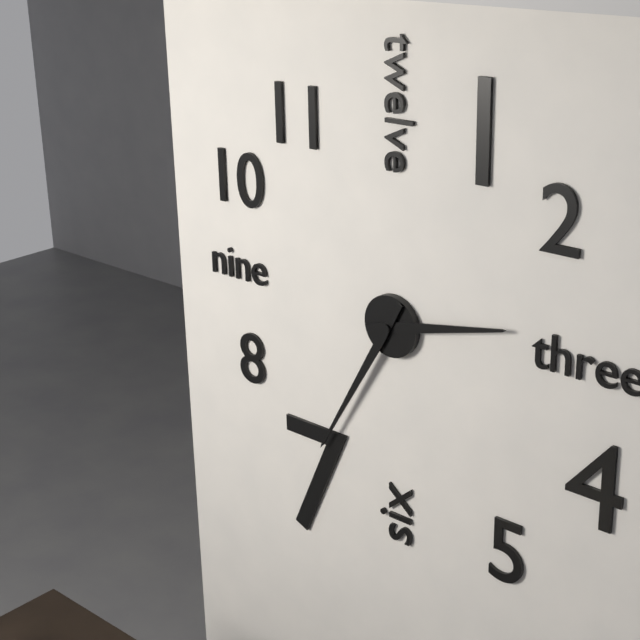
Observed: 2:35
